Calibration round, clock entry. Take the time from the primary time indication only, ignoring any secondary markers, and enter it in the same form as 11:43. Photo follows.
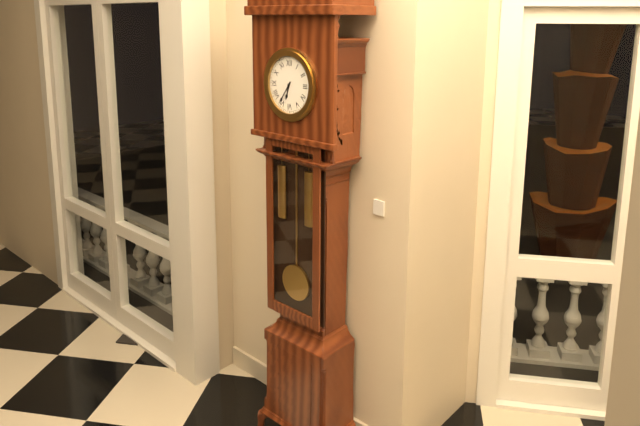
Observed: 6:36
